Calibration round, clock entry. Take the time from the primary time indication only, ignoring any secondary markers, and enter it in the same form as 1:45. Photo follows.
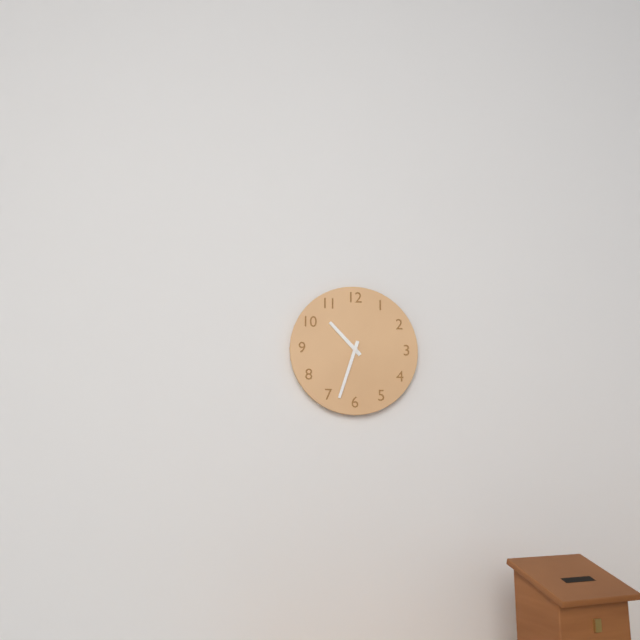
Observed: 10:33
